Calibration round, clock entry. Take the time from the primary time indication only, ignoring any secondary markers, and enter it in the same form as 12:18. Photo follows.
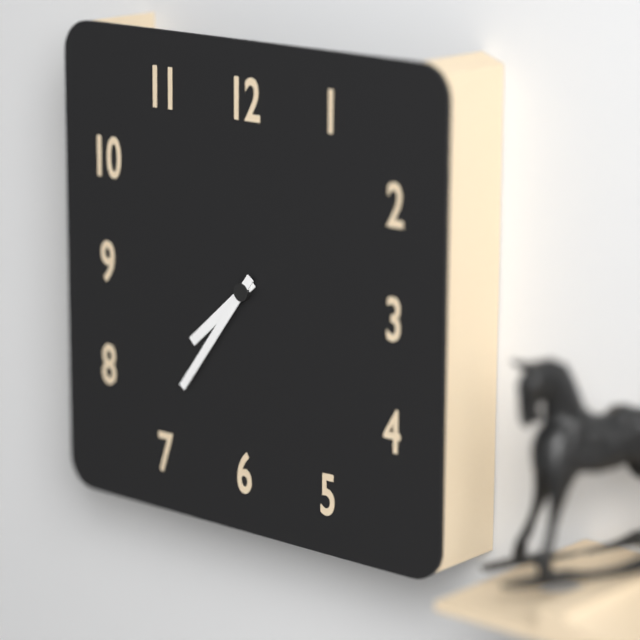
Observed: 7:36
